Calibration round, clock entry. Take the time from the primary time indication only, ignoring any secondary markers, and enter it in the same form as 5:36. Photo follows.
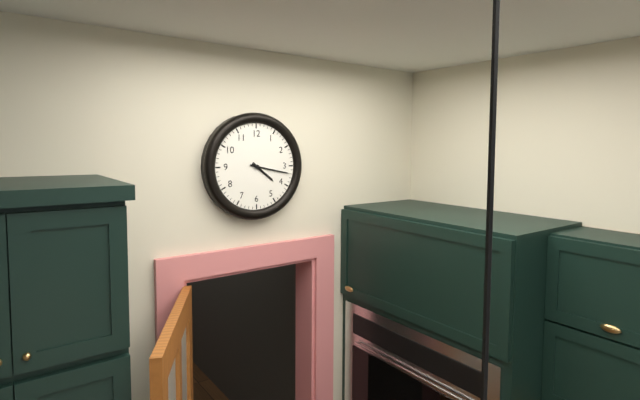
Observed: 4:17
